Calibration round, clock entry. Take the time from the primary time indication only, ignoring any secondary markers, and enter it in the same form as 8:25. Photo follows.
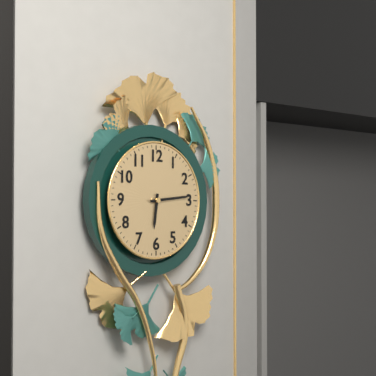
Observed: 6:14
